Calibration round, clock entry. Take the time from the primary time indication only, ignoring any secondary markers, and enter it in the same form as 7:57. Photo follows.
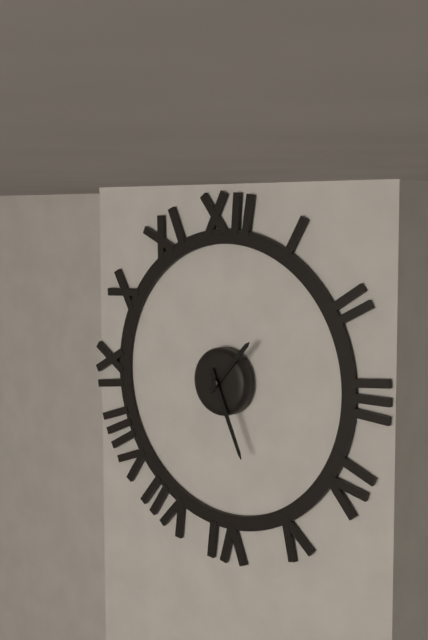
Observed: 1:26
